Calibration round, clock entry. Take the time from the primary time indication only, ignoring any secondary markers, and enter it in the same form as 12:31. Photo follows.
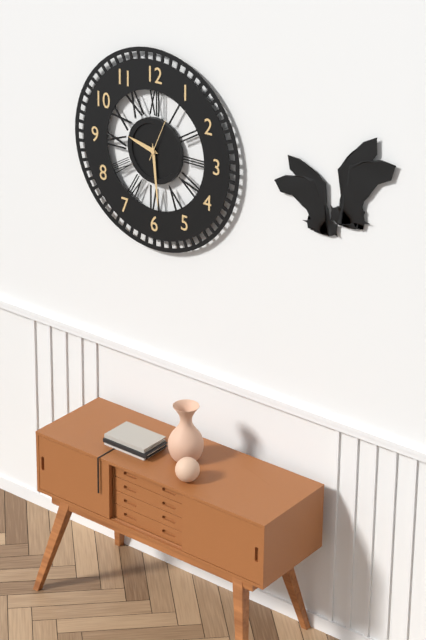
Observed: 9:29
